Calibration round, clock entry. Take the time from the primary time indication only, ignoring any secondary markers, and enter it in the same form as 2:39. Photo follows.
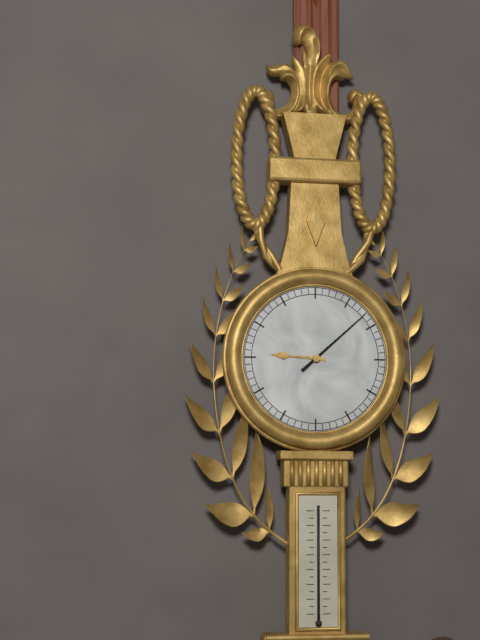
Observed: 9:08
